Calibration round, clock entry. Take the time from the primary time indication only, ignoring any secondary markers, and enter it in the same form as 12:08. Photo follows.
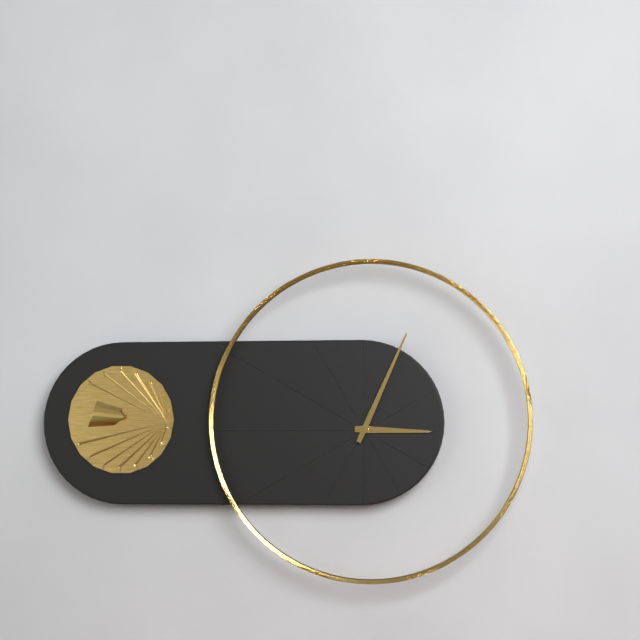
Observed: 3:04
